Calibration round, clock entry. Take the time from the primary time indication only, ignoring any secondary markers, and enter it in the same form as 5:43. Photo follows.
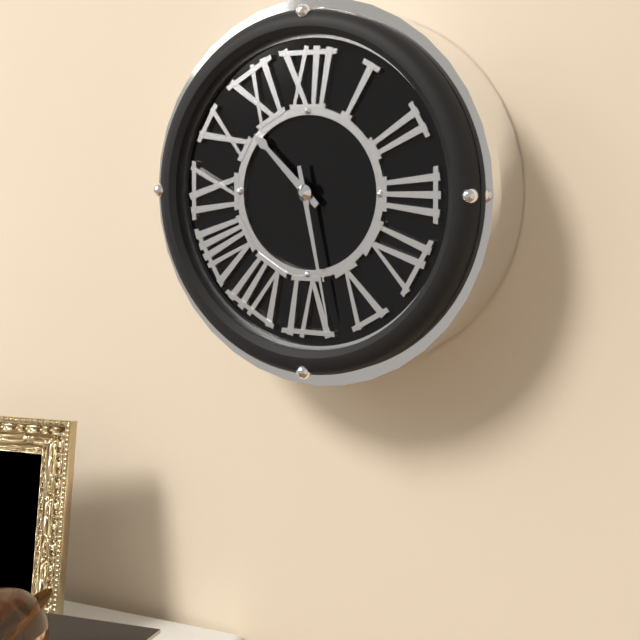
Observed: 10:28
